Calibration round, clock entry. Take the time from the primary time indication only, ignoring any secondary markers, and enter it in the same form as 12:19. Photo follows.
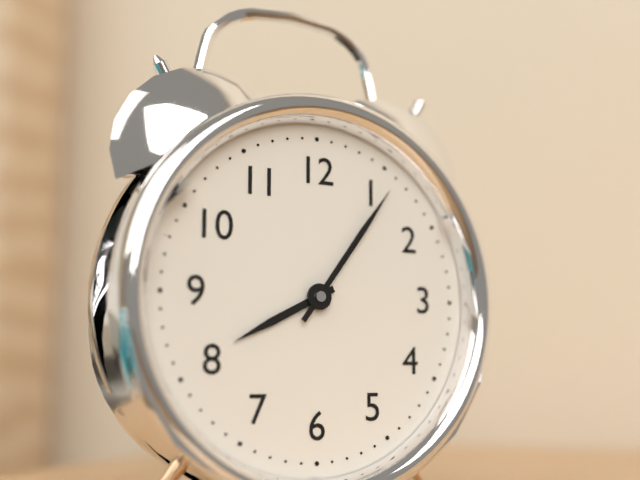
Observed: 8:06
